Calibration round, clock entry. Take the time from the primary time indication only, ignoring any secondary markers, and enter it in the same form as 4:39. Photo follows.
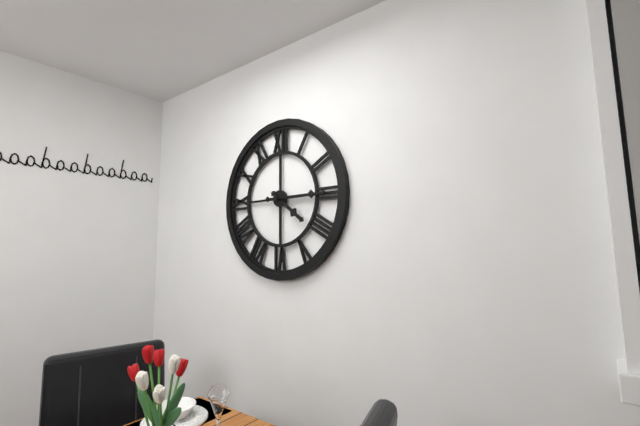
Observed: 4:15
